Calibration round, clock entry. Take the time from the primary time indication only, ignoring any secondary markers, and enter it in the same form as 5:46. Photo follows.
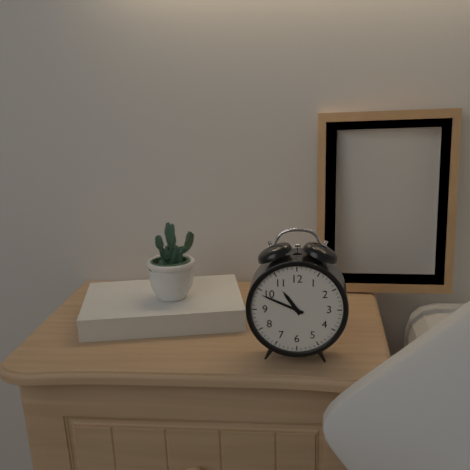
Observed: 10:49
